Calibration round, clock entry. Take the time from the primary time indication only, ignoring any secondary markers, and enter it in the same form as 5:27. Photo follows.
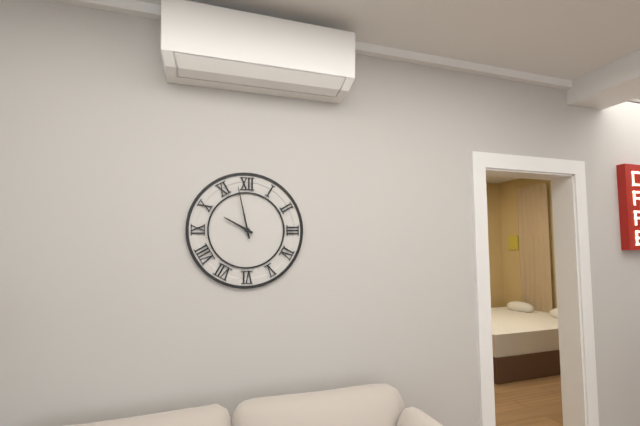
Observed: 9:58
